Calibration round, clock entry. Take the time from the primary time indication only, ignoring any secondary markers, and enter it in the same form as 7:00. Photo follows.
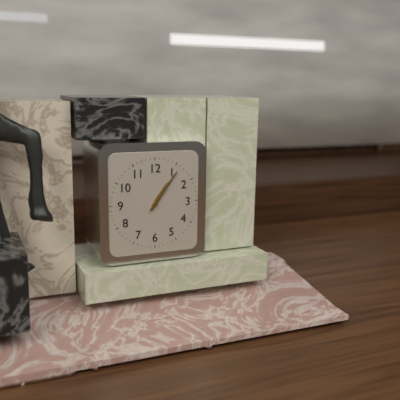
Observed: 1:06
